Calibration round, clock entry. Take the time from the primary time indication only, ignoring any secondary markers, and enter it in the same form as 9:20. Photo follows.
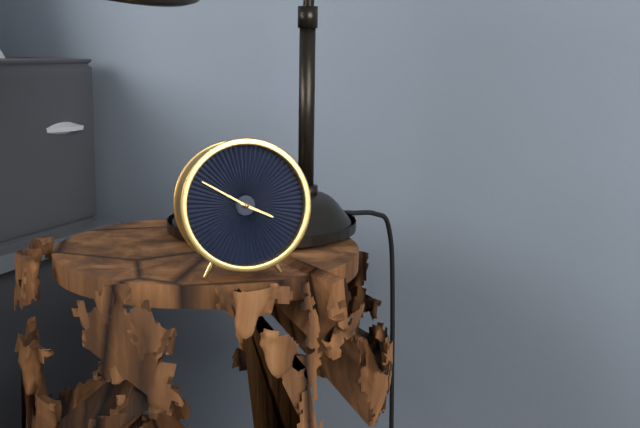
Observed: 3:50
